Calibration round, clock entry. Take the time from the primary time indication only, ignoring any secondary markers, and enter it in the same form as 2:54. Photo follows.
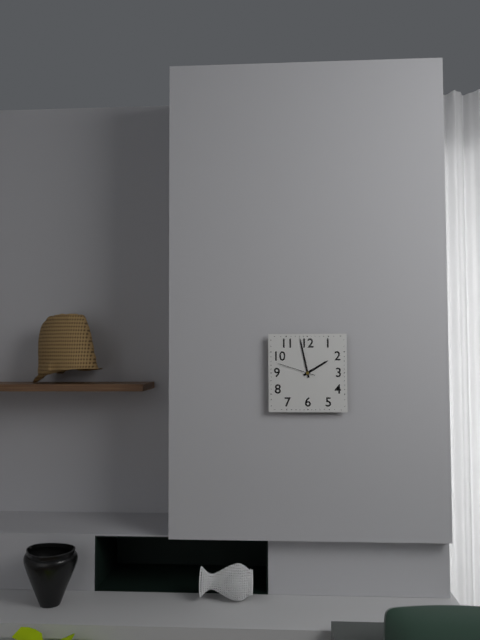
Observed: 1:58
